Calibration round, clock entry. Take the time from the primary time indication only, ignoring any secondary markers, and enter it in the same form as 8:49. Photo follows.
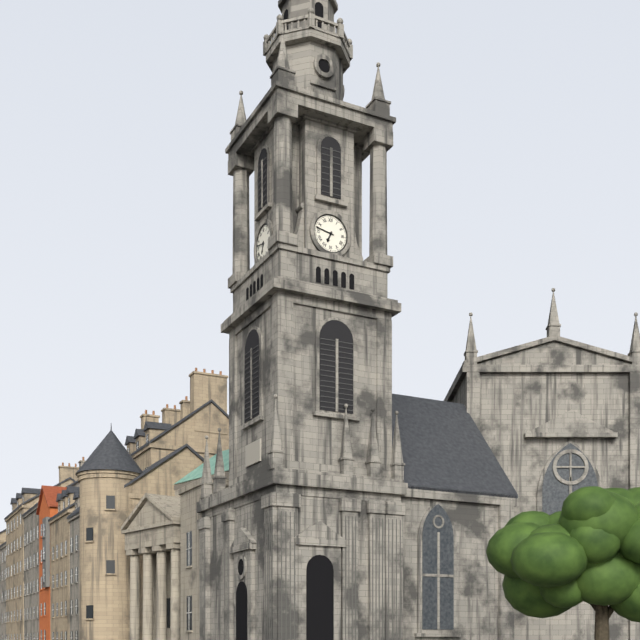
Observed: 6:47
